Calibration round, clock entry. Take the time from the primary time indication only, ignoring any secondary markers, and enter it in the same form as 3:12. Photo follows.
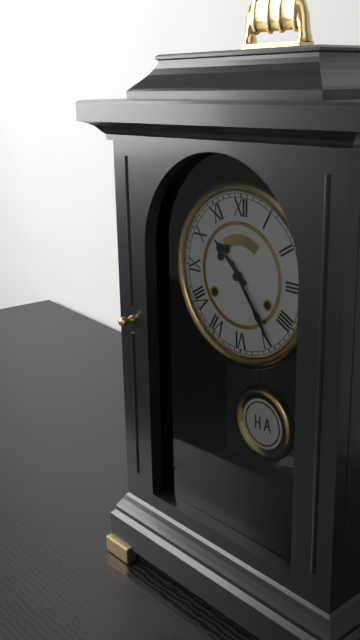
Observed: 10:24
